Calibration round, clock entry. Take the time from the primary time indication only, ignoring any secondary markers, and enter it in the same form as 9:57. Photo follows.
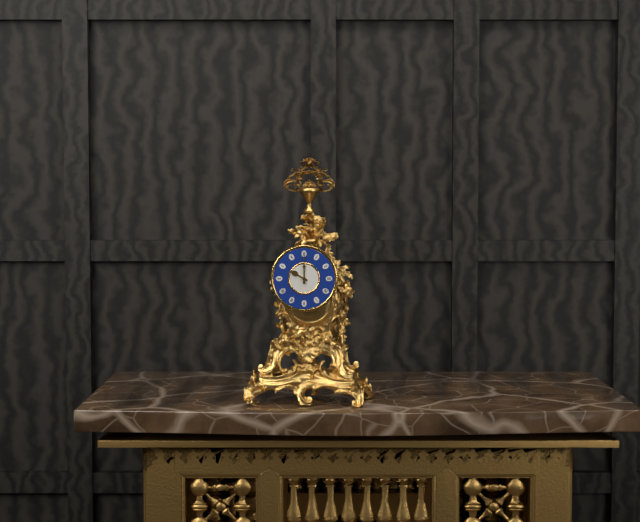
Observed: 10:00
